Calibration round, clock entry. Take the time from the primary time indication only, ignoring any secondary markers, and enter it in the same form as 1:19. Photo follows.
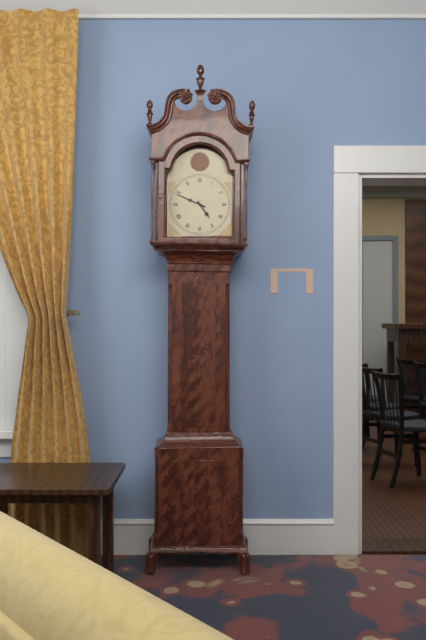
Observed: 4:49
